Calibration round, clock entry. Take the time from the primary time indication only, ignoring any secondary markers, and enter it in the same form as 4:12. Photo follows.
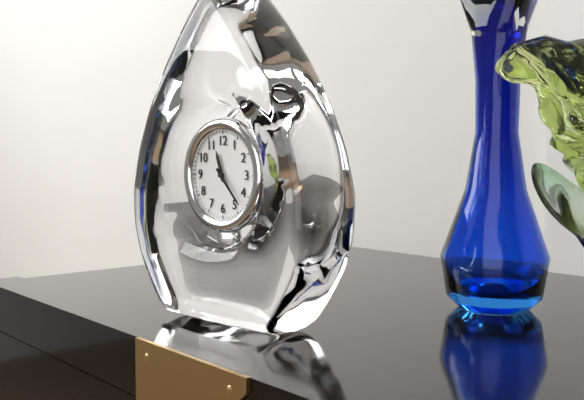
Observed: 11:23
